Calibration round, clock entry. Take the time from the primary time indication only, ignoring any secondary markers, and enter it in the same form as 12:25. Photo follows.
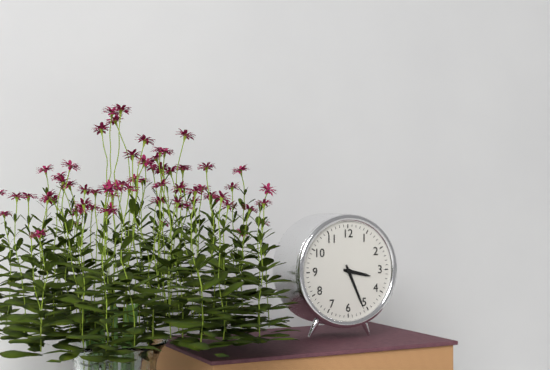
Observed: 3:26
